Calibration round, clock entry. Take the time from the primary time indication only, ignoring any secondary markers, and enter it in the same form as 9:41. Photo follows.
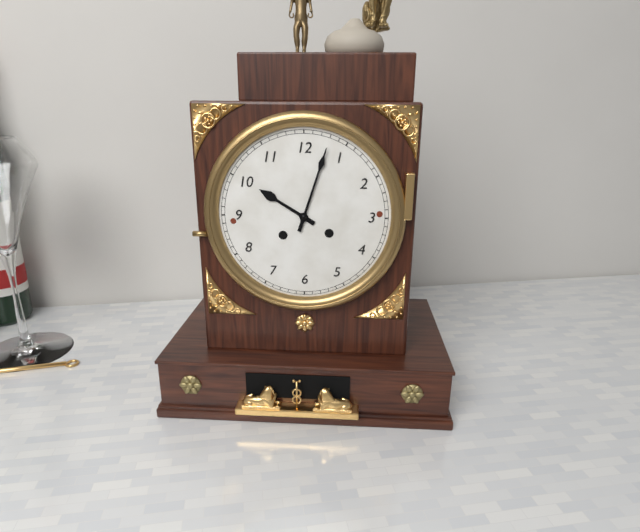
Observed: 10:03
